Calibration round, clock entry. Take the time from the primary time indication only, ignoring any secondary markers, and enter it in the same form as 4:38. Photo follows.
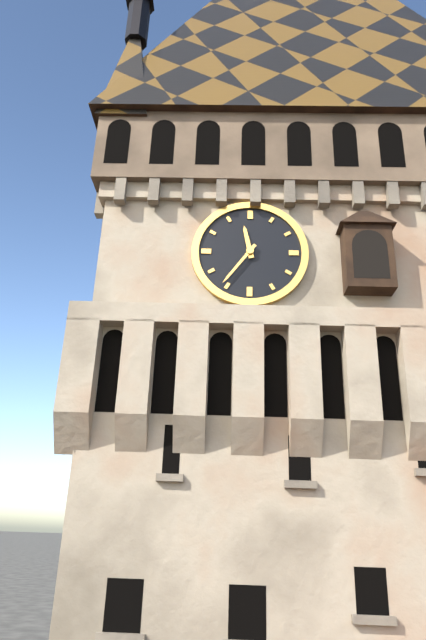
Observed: 11:36
